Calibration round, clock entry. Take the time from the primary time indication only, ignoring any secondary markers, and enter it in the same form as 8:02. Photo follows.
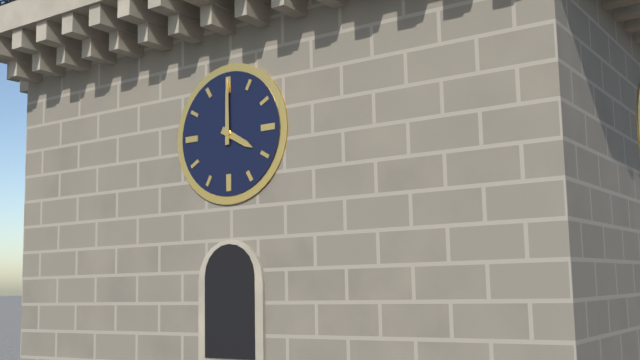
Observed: 4:00
